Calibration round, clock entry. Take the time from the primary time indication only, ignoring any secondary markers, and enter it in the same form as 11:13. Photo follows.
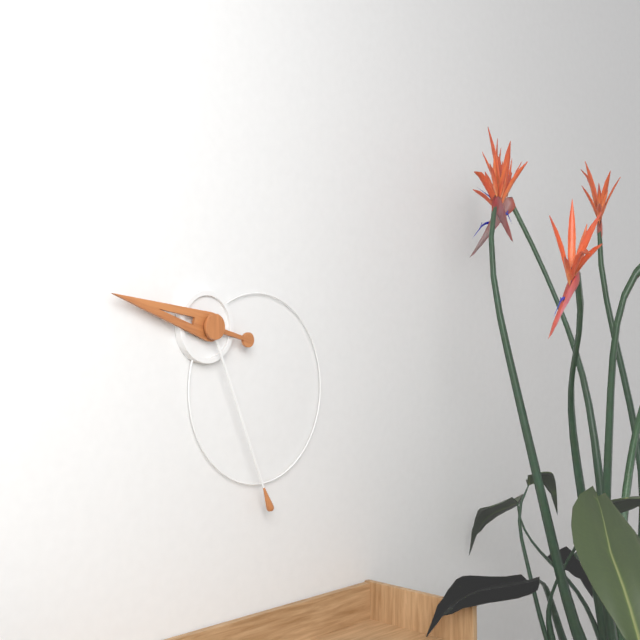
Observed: 9:26
